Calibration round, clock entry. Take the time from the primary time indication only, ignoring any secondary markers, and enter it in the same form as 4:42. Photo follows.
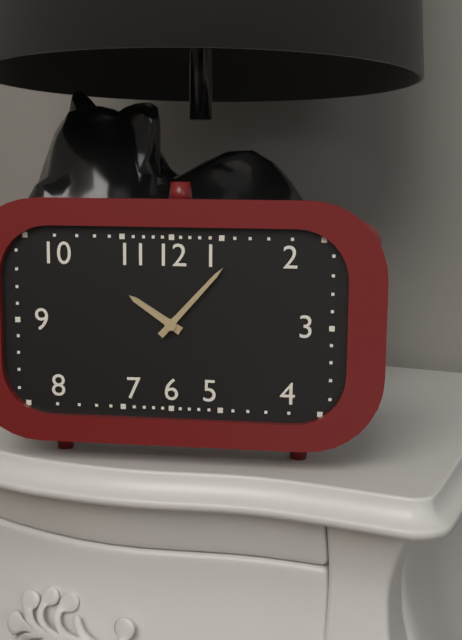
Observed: 10:07
